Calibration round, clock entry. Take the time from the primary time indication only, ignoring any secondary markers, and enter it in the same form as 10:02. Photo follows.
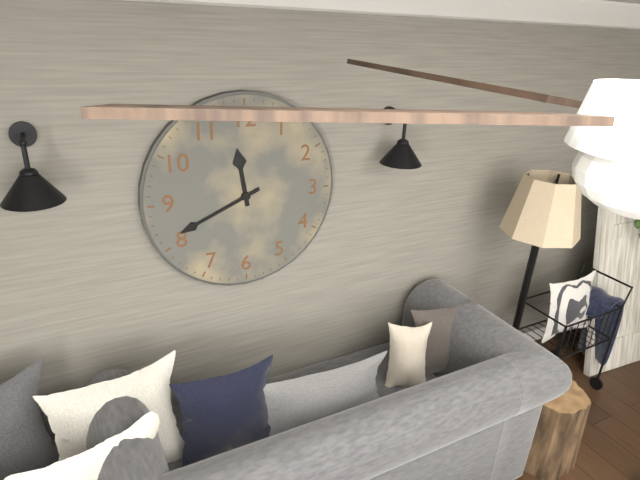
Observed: 11:41
